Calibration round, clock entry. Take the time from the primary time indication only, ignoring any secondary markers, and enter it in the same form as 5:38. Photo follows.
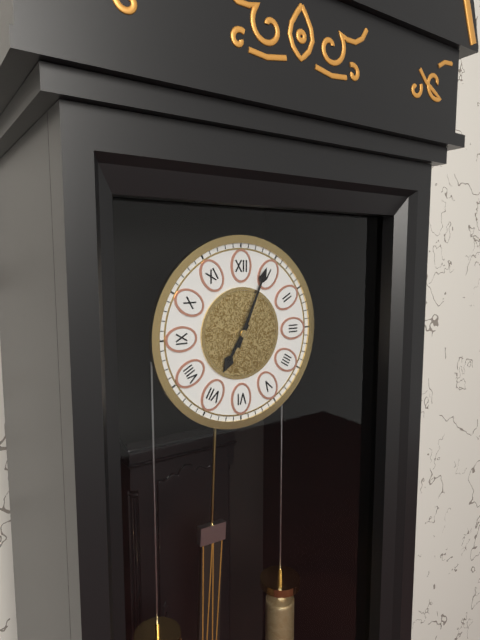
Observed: 7:04
